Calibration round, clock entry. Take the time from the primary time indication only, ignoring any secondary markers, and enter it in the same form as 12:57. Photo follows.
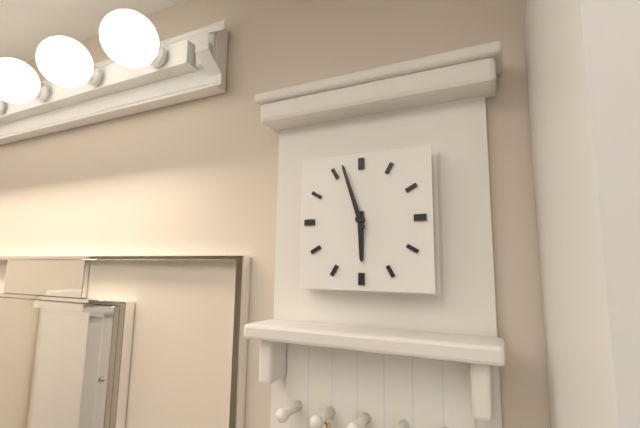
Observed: 5:57
